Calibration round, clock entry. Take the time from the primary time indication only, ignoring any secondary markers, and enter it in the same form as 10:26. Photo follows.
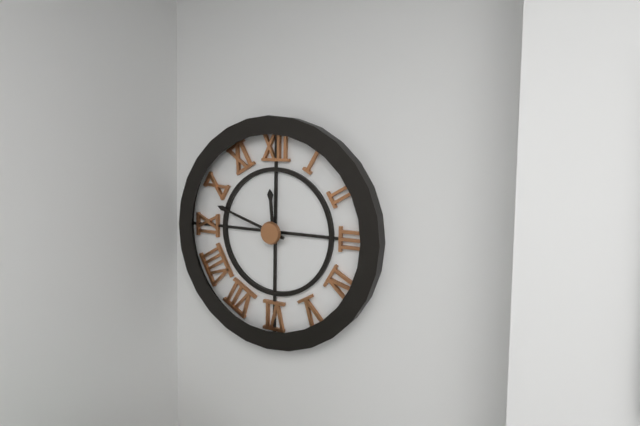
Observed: 11:48
